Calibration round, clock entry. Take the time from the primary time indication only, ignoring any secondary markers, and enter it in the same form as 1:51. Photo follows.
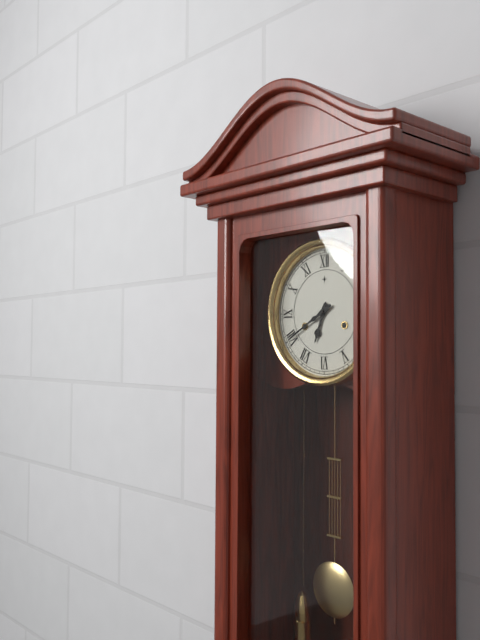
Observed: 6:40
